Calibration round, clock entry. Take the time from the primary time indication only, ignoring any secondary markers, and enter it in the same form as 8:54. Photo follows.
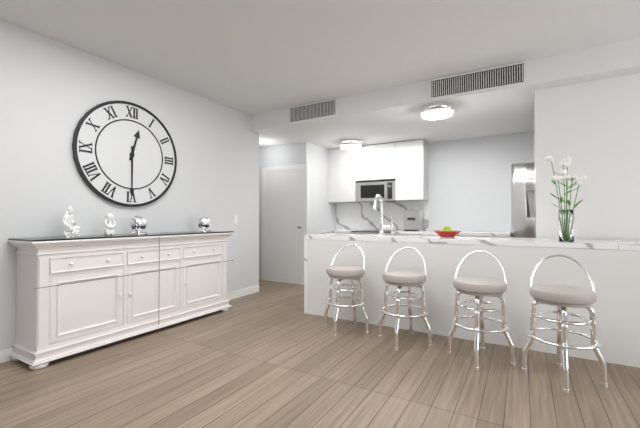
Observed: 12:30
